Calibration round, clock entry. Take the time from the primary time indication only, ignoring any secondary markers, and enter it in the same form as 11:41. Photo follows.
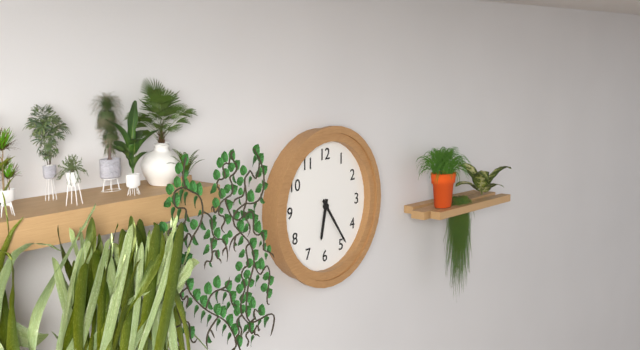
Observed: 6:24
